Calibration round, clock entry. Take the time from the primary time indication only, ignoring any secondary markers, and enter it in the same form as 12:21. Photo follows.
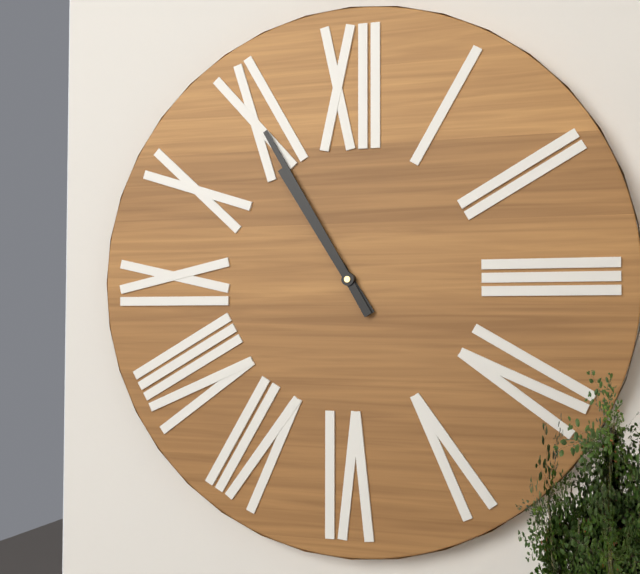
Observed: 10:55
